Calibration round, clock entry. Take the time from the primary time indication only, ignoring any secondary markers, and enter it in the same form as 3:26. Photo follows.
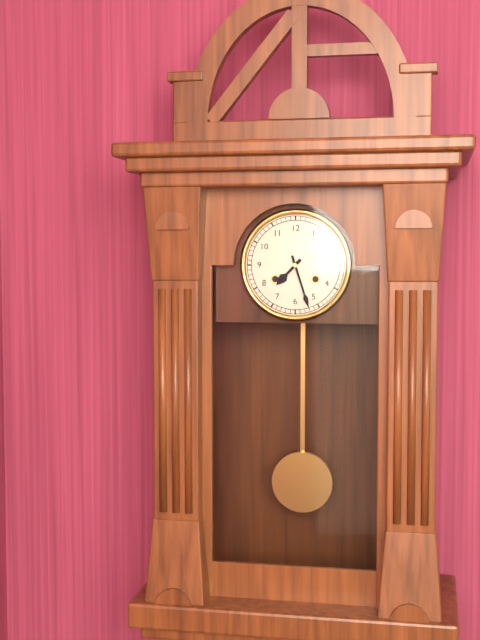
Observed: 7:27
